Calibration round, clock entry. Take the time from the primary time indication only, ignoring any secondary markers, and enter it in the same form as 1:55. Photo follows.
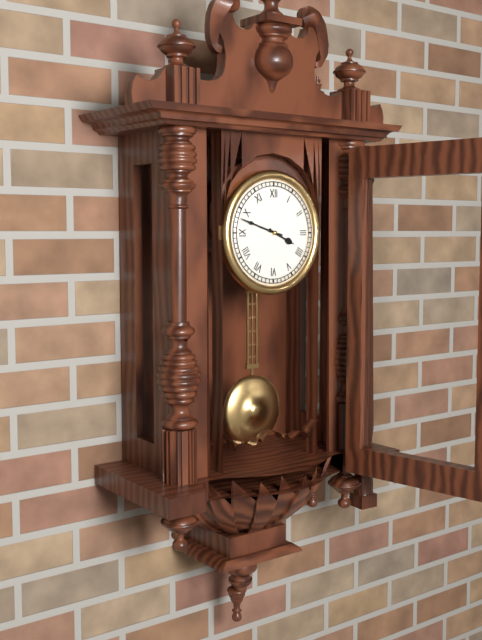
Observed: 3:48
